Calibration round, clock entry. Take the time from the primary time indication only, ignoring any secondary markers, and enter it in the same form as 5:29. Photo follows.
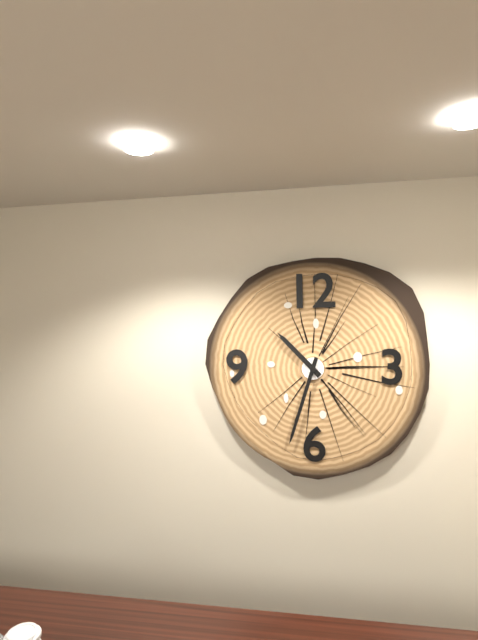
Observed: 10:33
